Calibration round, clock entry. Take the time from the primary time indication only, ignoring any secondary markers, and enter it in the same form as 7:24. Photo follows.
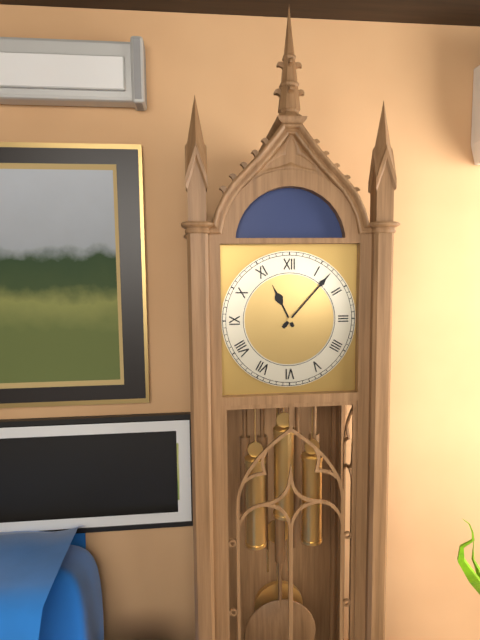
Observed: 11:07
